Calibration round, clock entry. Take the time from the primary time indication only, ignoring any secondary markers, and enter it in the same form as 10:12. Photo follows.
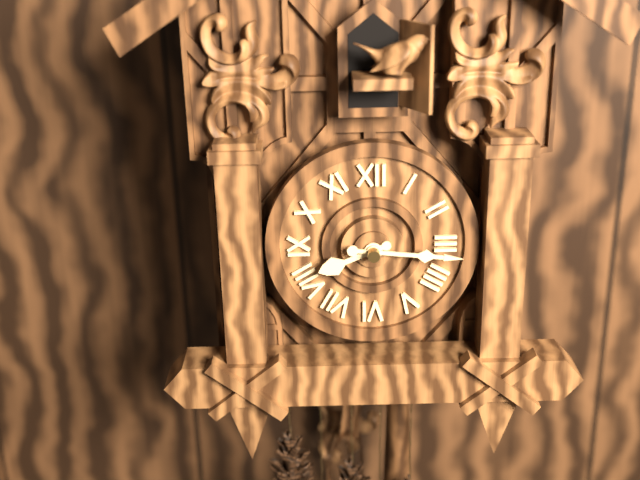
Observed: 8:16
